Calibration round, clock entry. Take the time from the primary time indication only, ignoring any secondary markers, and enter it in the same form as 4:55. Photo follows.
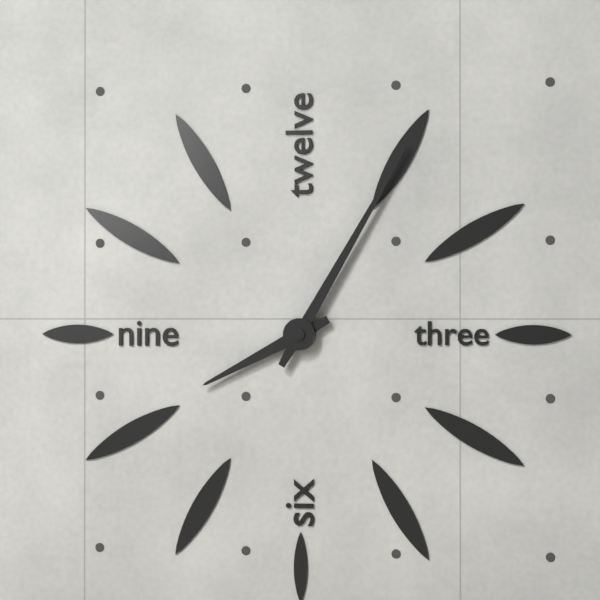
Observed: 8:05
